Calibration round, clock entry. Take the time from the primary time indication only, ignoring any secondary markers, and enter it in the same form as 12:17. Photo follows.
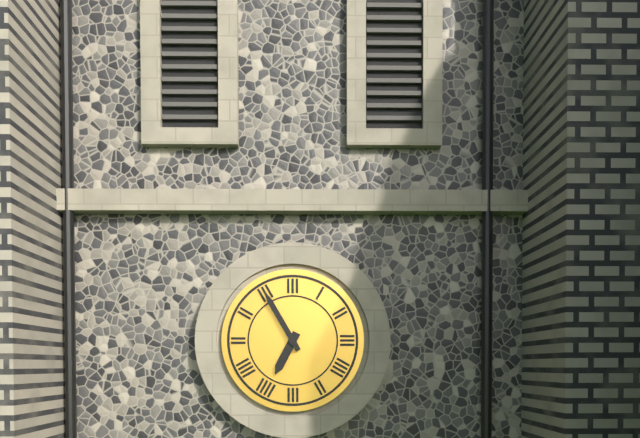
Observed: 6:55
